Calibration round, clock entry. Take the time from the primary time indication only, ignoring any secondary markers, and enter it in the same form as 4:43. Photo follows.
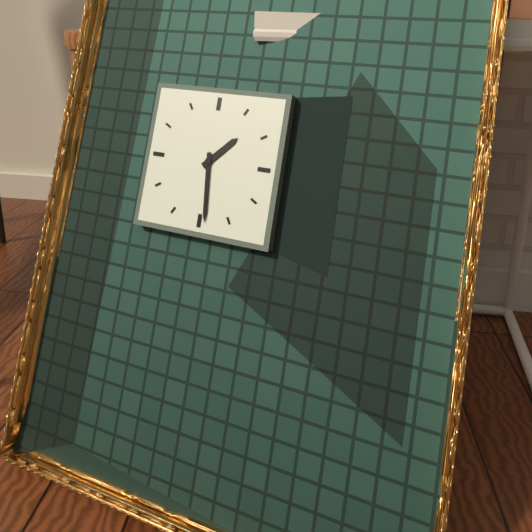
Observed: 1:29
